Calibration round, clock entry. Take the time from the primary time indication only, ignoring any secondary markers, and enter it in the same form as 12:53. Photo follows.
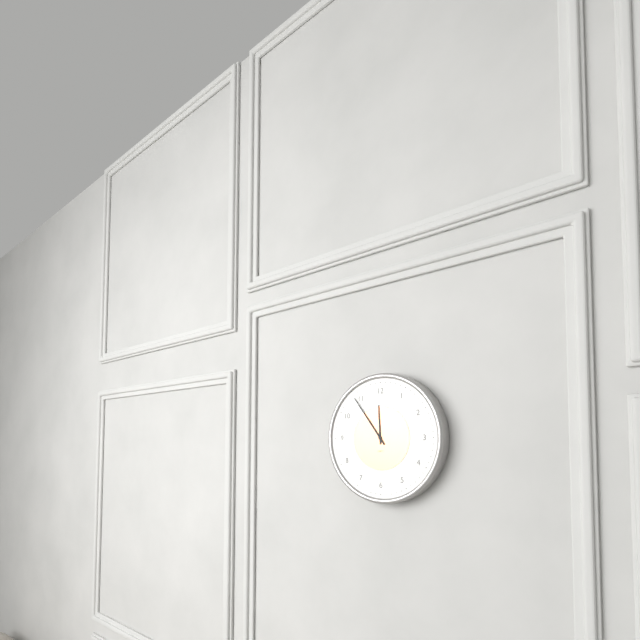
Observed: 11:54
